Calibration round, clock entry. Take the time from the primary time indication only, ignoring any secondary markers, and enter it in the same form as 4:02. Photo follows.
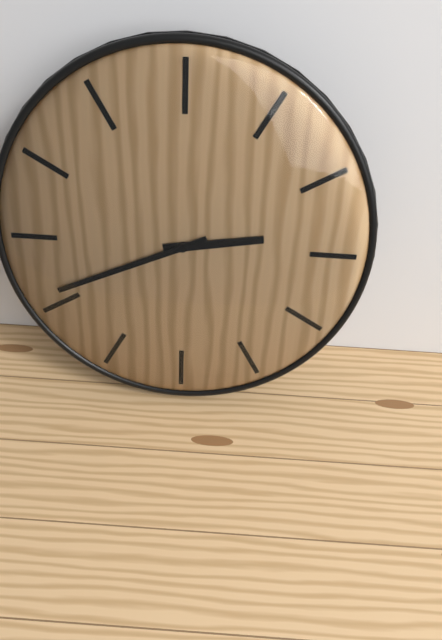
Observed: 2:41
